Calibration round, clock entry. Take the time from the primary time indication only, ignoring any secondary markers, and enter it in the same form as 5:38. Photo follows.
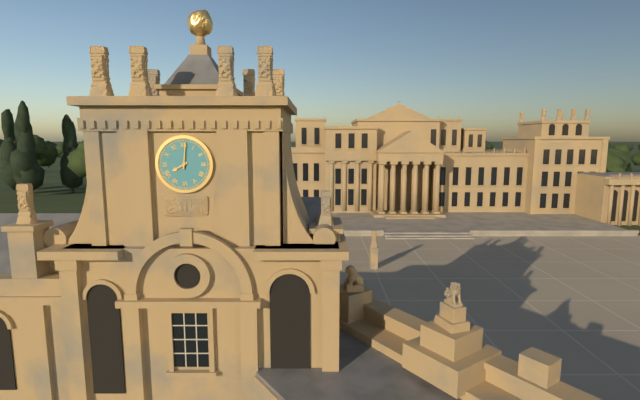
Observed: 8:01
